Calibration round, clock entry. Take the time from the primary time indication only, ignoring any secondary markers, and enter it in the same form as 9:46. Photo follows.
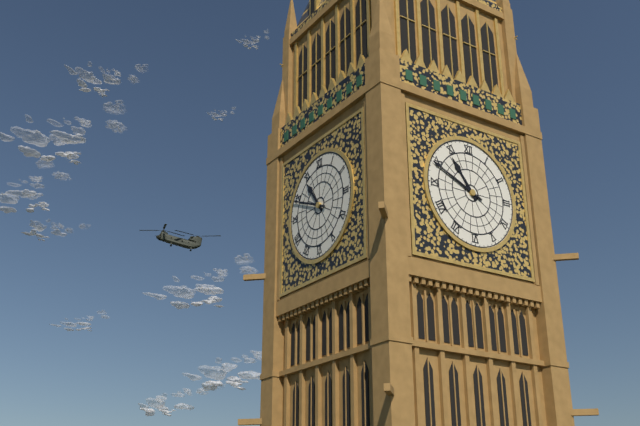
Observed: 10:49
